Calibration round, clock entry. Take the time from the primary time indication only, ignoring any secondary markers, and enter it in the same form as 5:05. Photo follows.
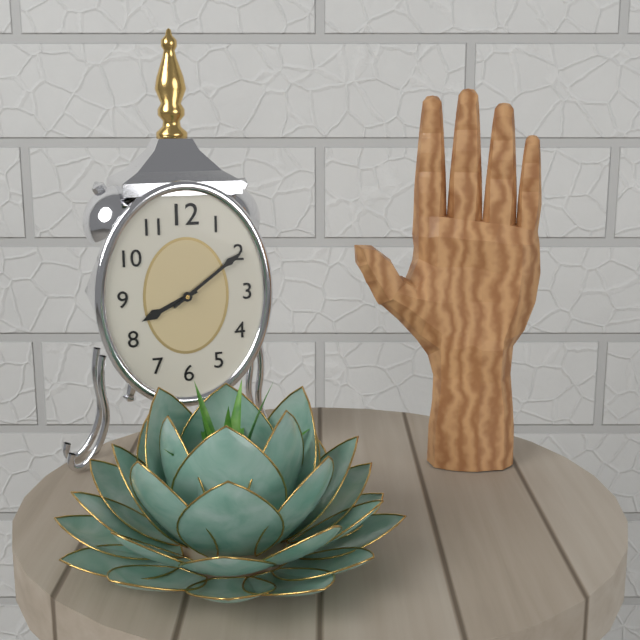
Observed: 8:09
